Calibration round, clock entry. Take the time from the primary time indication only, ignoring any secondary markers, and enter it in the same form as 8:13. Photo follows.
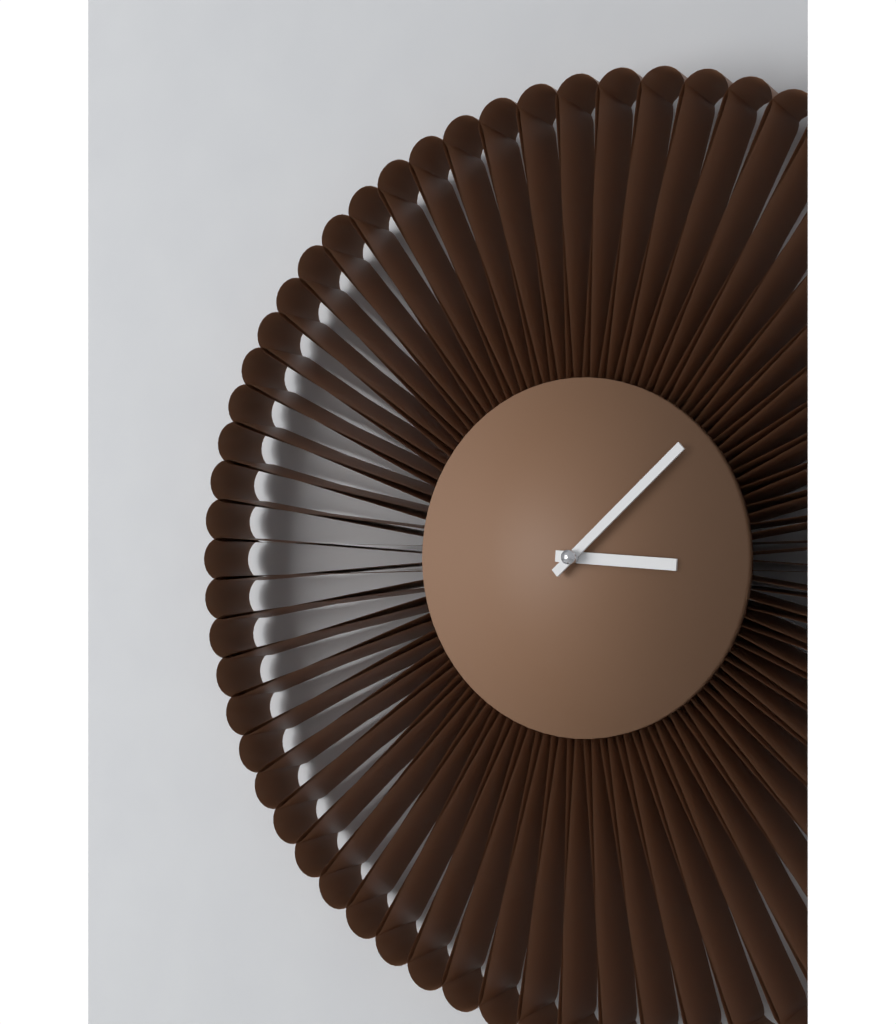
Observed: 3:08
